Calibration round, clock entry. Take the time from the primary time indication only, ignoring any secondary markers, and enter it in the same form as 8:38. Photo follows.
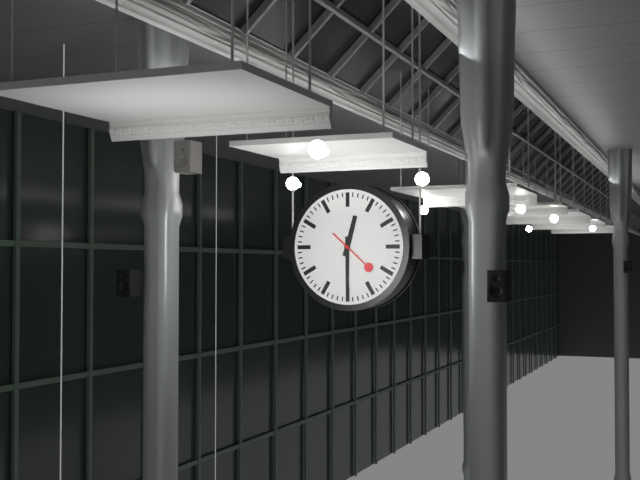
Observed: 12:30
